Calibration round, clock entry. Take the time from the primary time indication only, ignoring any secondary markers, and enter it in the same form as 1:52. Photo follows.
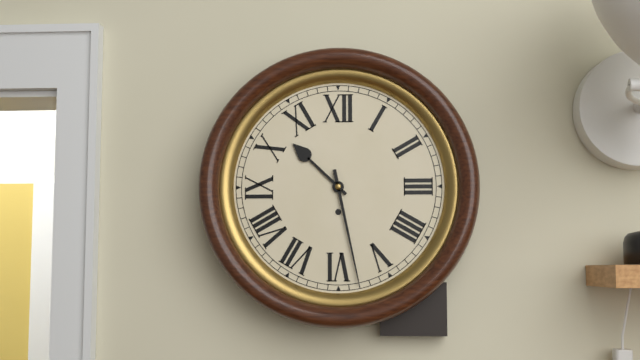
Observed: 10:28
